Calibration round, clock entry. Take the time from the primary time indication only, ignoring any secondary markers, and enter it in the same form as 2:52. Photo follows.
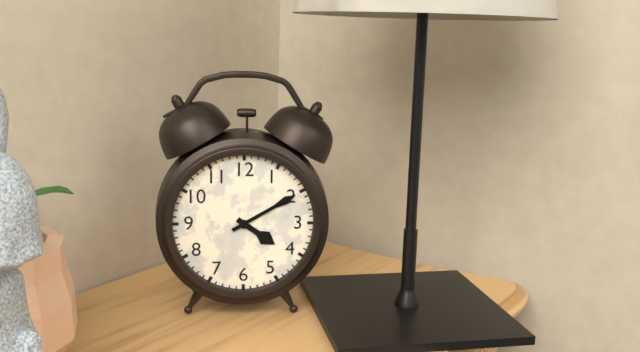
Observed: 4:10
